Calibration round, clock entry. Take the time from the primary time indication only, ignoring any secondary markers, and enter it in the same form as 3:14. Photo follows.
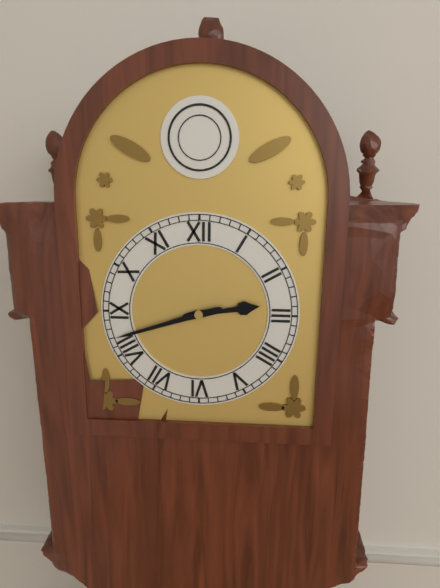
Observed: 2:42
